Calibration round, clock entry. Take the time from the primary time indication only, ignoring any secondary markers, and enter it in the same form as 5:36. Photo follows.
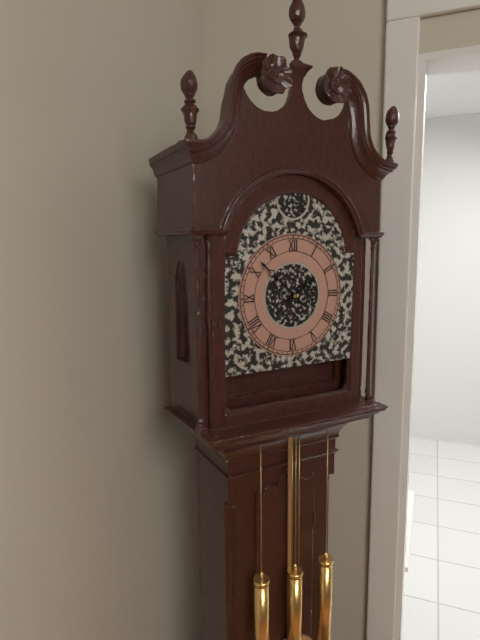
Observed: 1:52
